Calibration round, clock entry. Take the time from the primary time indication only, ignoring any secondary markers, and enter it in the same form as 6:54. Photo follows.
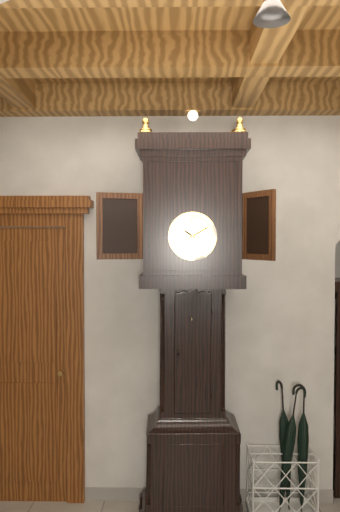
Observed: 10:10
